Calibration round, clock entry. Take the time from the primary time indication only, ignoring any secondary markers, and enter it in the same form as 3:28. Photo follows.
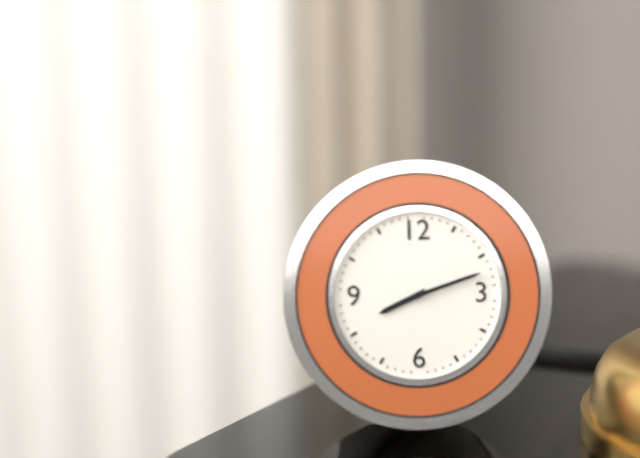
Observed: 8:12
